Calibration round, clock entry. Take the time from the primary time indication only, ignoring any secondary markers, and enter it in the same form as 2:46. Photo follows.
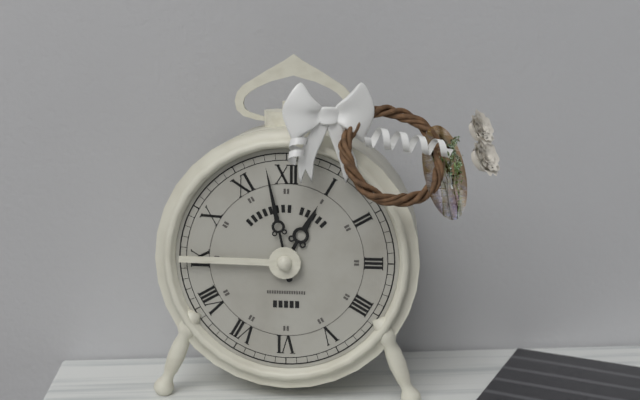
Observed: 12:58
